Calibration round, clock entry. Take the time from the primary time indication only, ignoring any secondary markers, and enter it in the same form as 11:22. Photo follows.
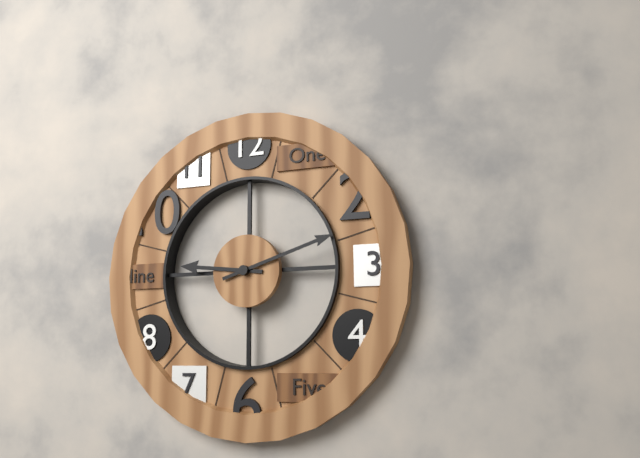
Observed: 9:12
